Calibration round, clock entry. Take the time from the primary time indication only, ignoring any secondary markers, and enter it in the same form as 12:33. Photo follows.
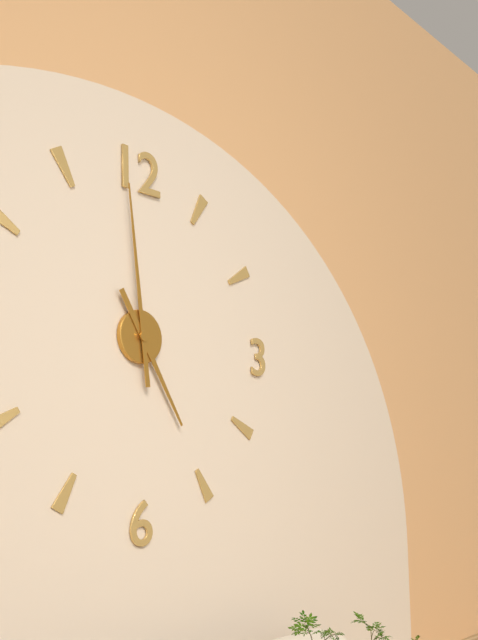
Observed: 4:59
